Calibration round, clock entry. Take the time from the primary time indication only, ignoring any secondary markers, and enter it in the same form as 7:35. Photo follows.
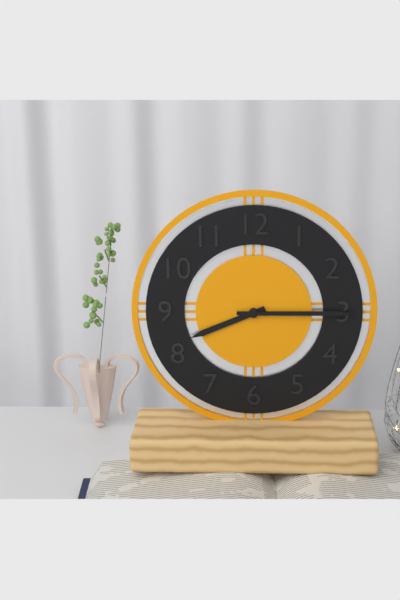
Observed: 8:15
